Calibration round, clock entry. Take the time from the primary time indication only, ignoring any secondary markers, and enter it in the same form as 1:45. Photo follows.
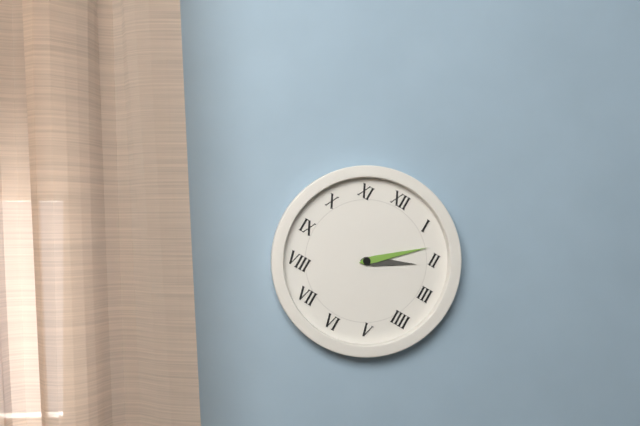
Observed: 2:08
